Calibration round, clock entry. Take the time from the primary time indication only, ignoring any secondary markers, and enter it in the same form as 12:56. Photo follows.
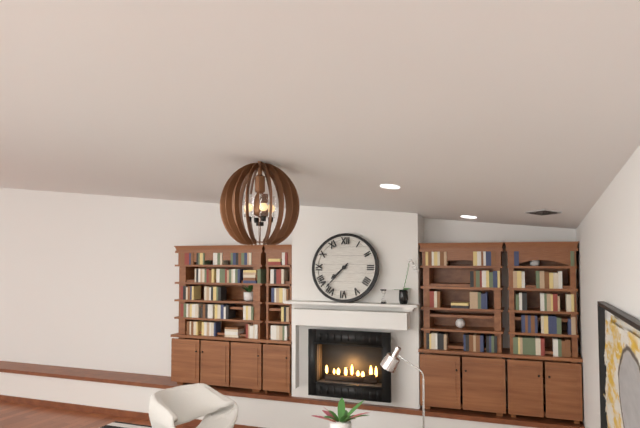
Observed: 7:37
